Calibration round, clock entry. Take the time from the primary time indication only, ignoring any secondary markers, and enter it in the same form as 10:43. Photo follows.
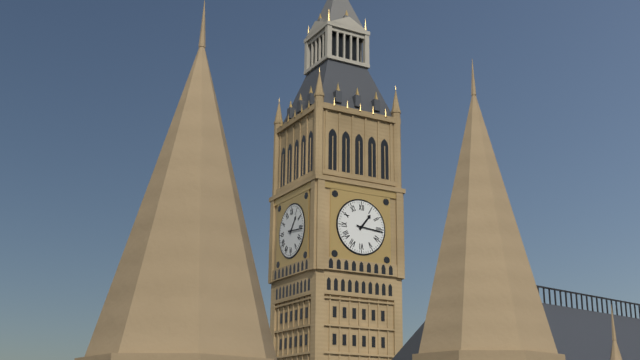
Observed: 1:16
